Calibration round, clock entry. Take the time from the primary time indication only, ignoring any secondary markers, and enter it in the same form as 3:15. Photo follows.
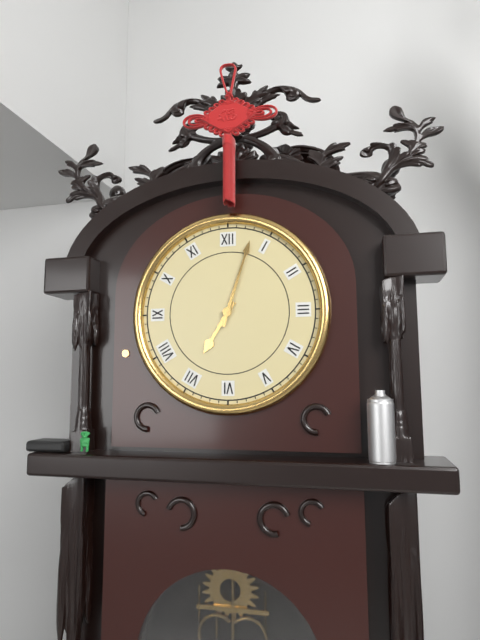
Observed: 7:03
